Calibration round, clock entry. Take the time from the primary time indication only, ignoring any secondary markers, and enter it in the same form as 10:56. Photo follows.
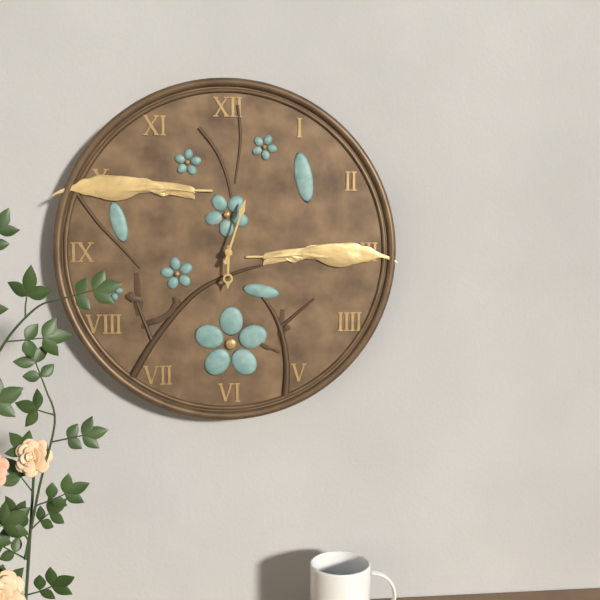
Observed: 6:03
